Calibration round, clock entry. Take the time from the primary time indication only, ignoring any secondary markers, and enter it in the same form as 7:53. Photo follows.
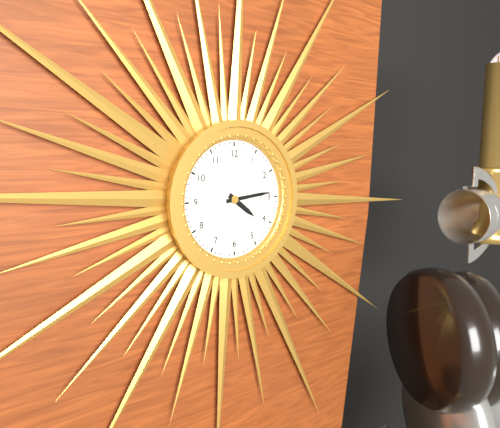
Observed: 4:14
